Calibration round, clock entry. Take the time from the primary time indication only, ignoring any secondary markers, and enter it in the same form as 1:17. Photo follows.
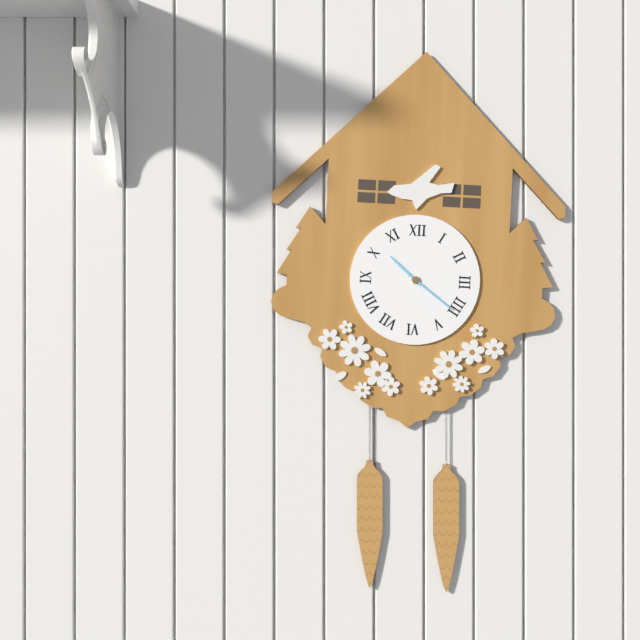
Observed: 10:21
